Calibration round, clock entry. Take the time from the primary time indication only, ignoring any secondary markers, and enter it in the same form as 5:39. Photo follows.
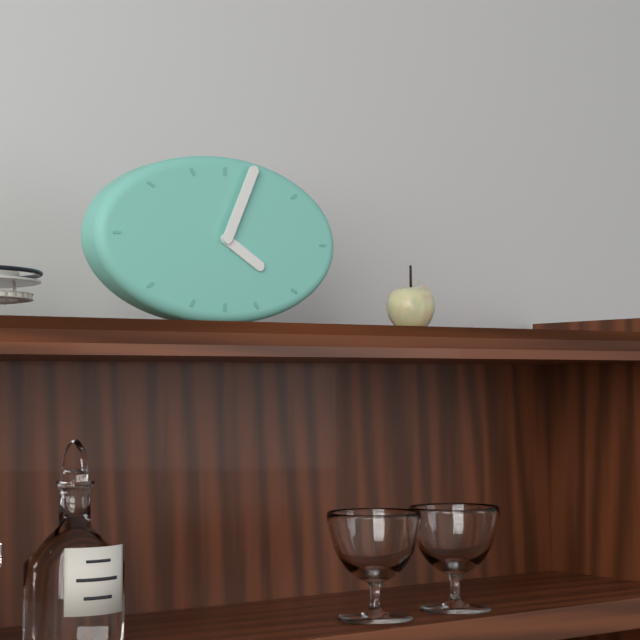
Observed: 4:04
